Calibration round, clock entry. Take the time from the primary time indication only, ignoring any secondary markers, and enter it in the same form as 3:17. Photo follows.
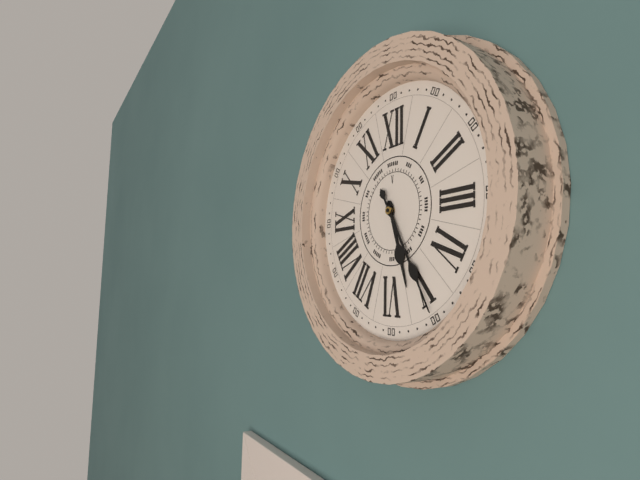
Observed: 5:25
